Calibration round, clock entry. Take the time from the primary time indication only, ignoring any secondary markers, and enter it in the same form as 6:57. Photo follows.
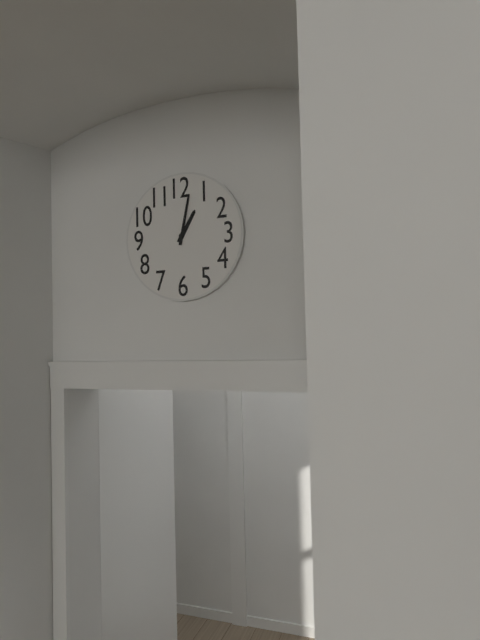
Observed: 1:02
